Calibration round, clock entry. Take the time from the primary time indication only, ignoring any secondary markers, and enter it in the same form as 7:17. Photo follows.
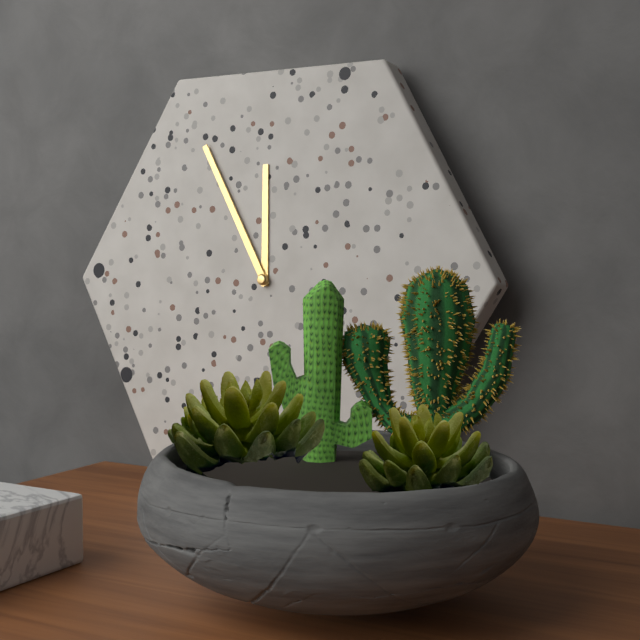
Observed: 11:55
